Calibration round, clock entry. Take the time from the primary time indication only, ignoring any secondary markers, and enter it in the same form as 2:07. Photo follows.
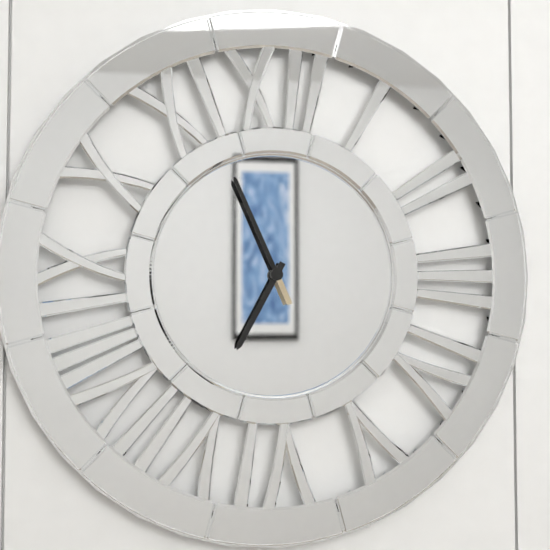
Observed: 6:56
